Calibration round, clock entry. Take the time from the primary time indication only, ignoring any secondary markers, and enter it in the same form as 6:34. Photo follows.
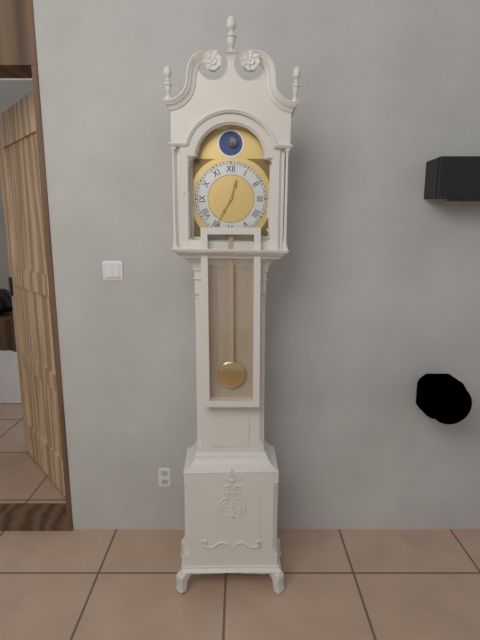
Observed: 12:35
